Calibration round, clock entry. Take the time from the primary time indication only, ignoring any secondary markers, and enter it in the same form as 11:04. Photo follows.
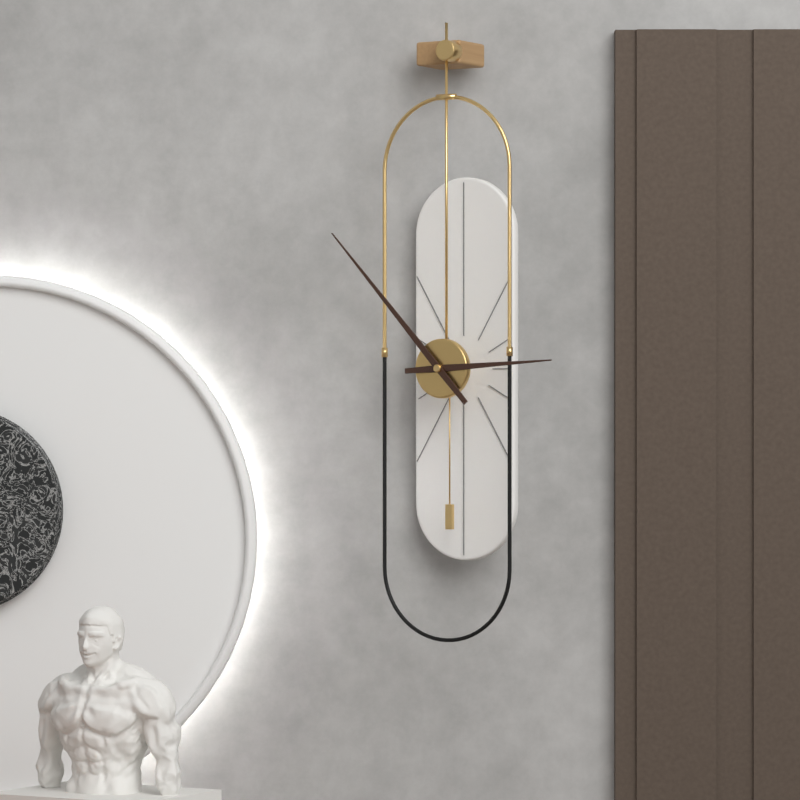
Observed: 2:53
